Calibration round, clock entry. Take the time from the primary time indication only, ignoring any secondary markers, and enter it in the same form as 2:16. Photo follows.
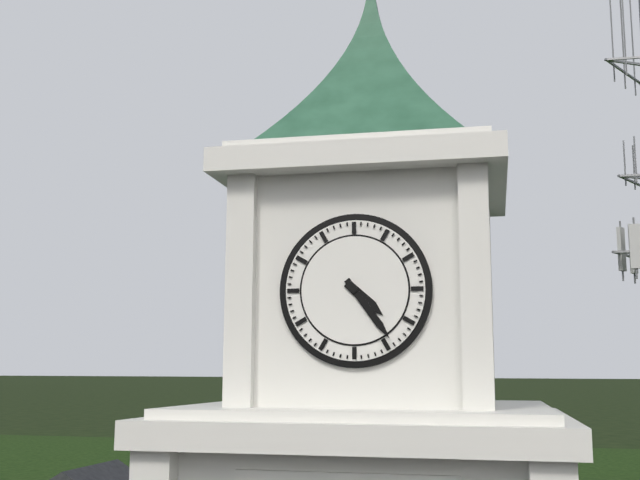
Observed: 4:24
